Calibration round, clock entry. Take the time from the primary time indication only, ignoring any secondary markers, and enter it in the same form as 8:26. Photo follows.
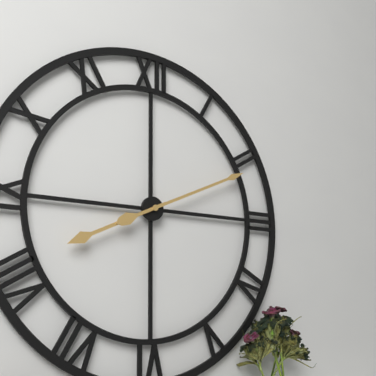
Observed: 8:11
